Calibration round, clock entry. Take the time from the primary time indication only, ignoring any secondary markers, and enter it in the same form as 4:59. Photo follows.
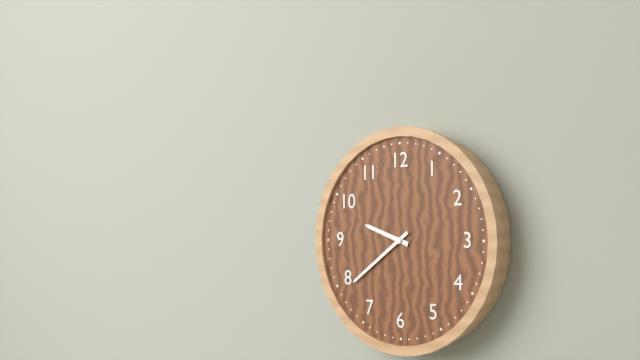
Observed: 9:39
